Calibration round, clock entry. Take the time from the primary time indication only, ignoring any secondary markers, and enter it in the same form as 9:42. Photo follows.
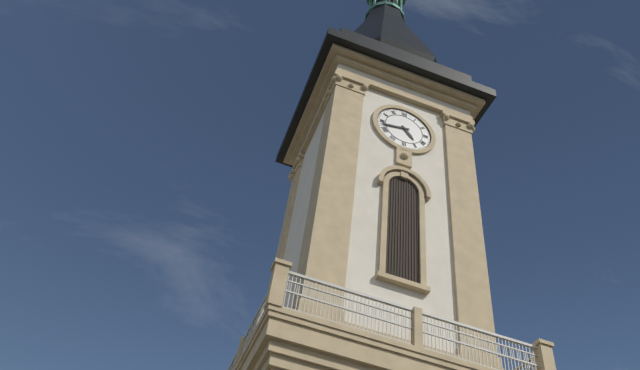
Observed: 4:43
